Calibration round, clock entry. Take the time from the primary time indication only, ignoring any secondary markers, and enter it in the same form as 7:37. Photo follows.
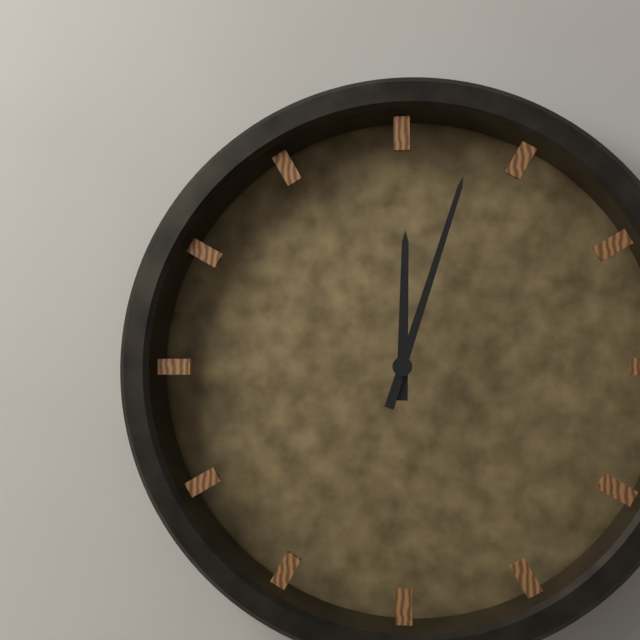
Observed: 12:03
